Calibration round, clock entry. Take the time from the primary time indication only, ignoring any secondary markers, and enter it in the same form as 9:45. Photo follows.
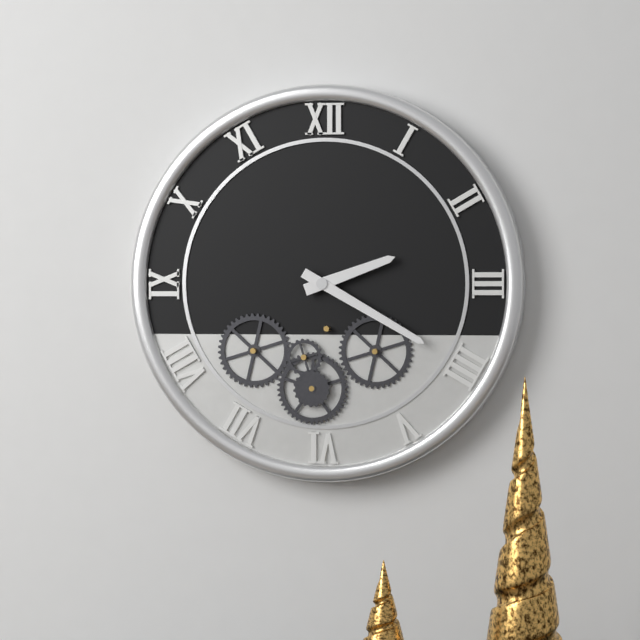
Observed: 2:20
